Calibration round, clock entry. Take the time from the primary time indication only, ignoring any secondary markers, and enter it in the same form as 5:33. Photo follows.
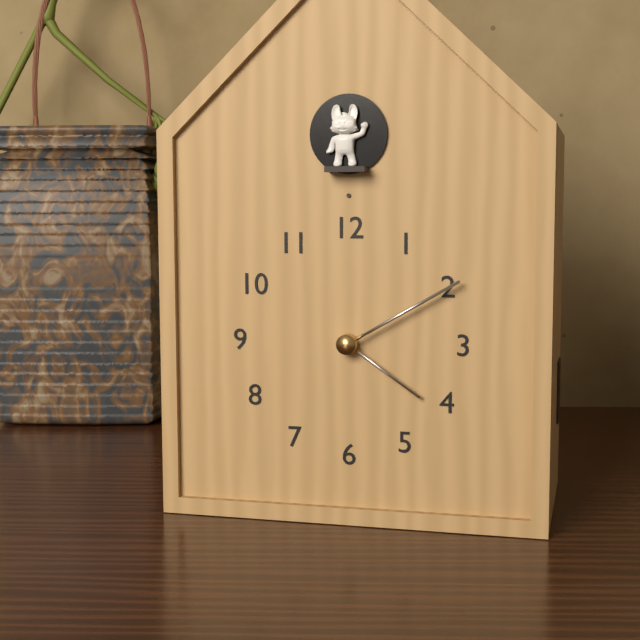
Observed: 4:10
